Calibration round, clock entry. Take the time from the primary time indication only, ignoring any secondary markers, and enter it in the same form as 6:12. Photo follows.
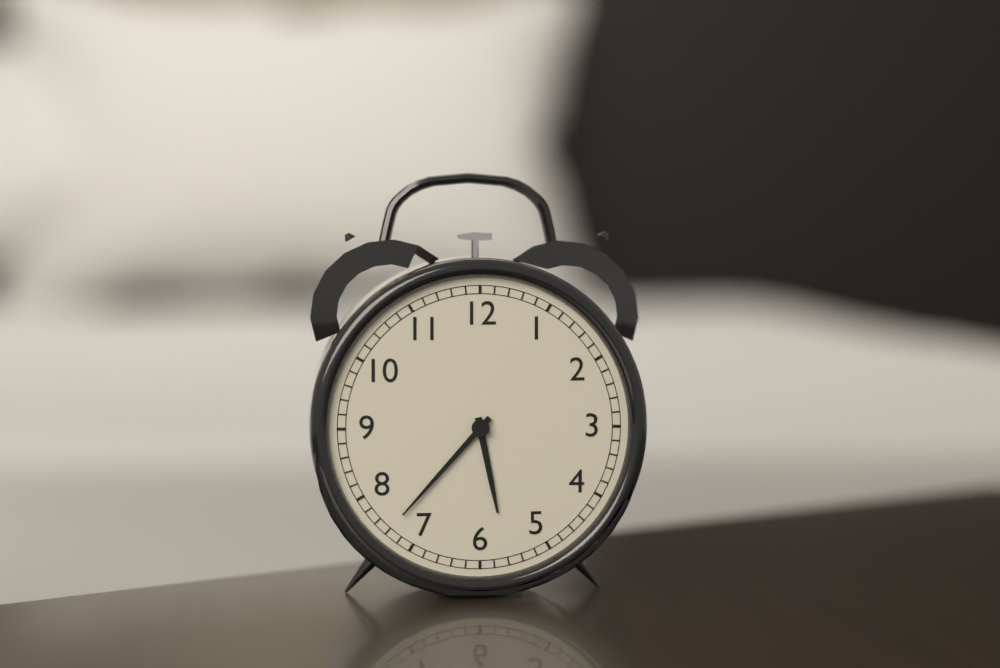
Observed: 5:37
